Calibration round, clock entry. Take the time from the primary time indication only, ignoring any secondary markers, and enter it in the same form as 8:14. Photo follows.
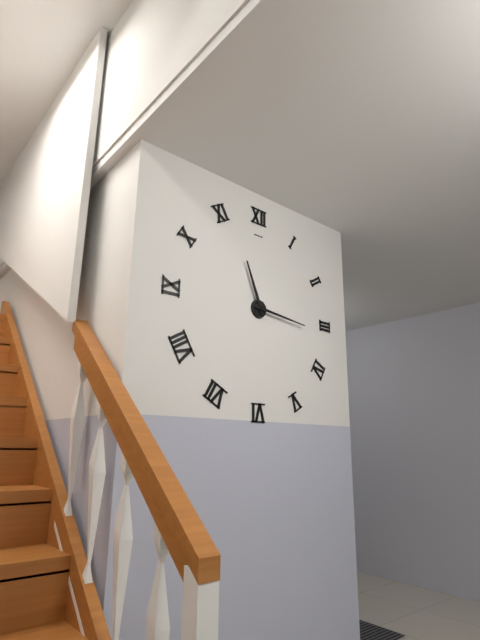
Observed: 11:16
